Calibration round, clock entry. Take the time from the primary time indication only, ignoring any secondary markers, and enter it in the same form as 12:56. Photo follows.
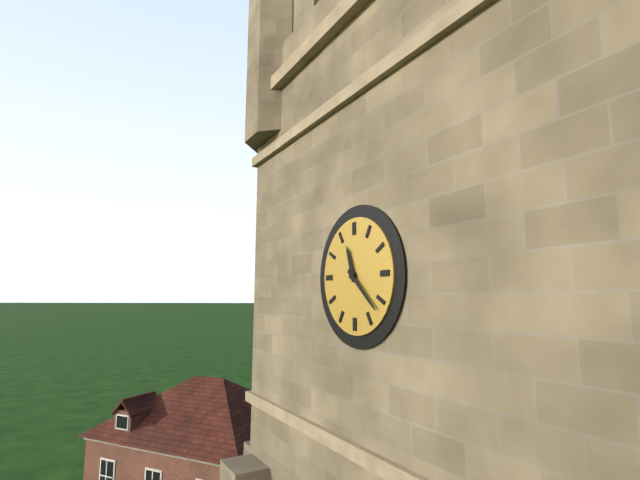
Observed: 11:22
